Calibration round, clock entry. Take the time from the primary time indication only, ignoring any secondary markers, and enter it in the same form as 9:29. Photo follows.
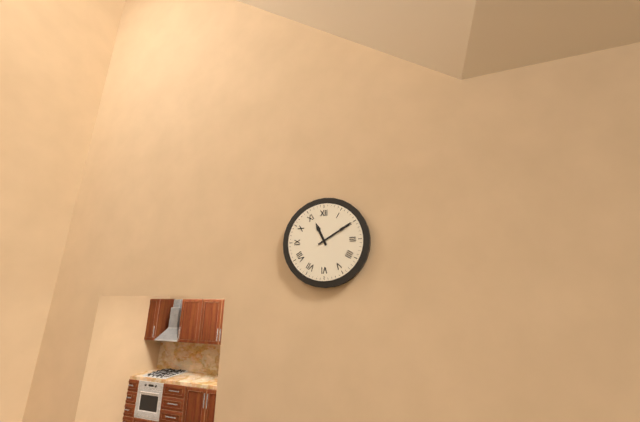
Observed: 11:10
